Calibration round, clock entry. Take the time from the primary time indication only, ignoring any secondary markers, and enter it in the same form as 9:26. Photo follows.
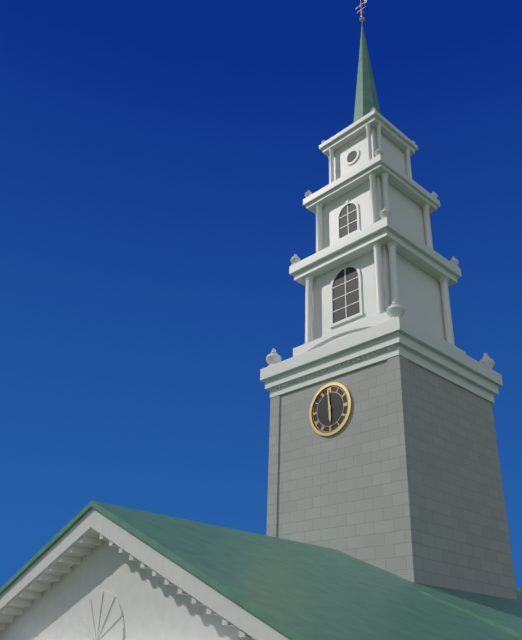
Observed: 5:59
